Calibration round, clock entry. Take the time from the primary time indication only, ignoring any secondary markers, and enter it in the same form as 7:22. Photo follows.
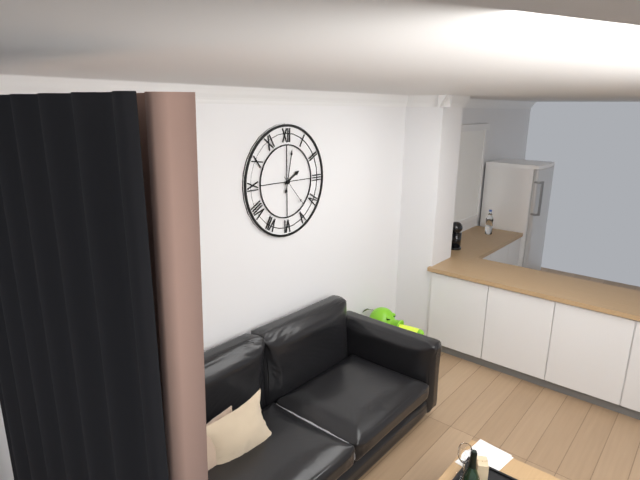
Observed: 2:02
